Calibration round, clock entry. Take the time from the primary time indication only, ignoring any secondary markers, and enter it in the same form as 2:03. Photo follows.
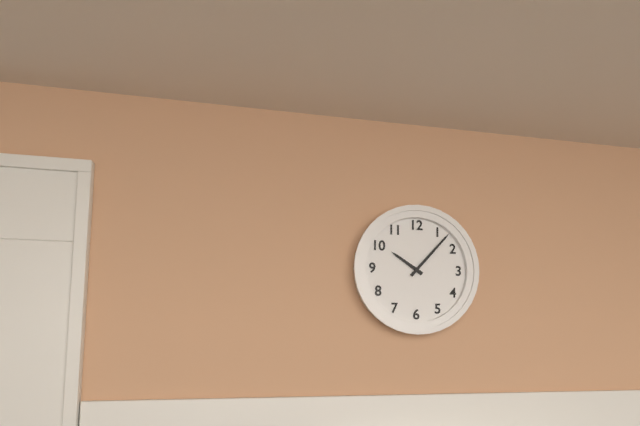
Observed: 10:07
